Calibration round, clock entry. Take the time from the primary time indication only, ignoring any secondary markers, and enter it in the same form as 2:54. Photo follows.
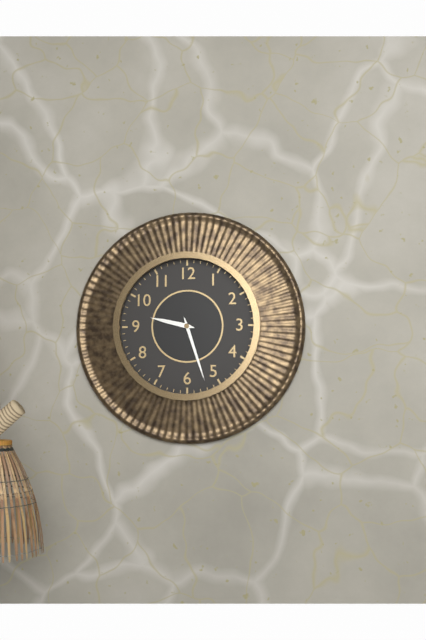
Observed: 9:27
